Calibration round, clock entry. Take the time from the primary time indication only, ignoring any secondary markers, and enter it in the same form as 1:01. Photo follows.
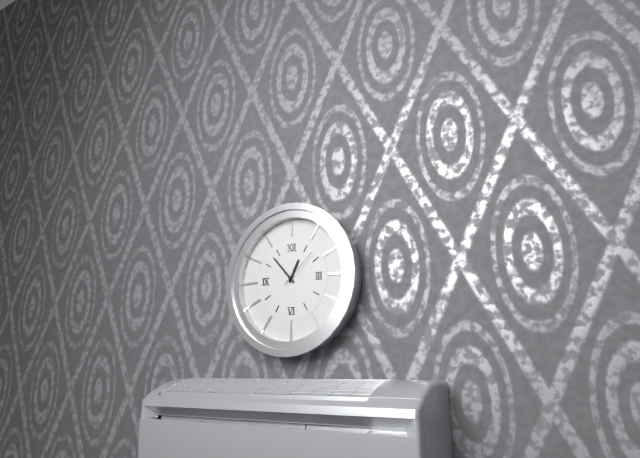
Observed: 12:53
